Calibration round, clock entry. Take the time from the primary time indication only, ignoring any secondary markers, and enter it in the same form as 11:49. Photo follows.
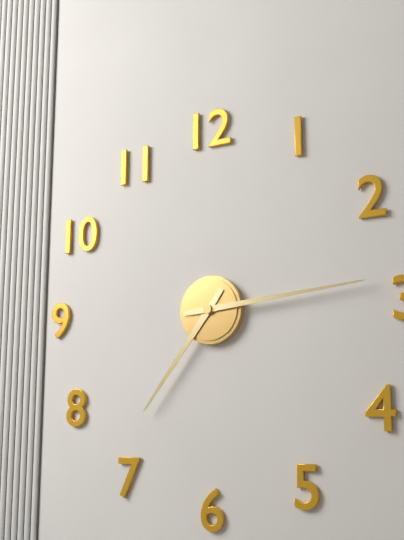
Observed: 7:14
